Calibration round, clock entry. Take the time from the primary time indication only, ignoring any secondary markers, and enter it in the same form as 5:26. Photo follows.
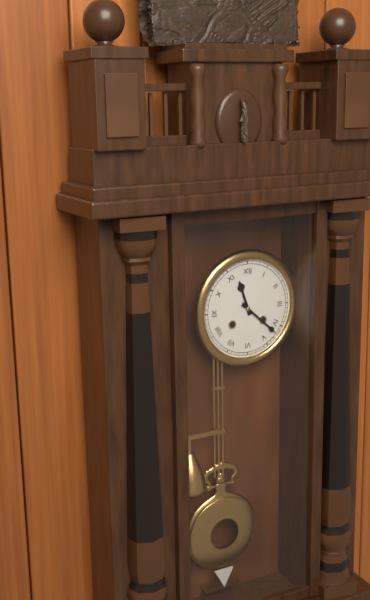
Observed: 11:22
